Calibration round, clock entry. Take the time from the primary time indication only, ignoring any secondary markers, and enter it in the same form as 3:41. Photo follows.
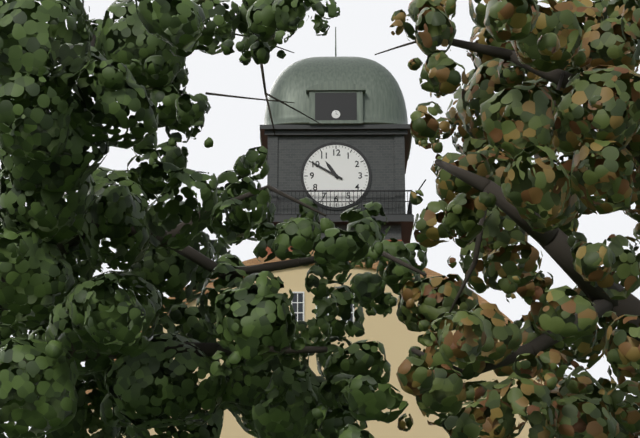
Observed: 10:50
